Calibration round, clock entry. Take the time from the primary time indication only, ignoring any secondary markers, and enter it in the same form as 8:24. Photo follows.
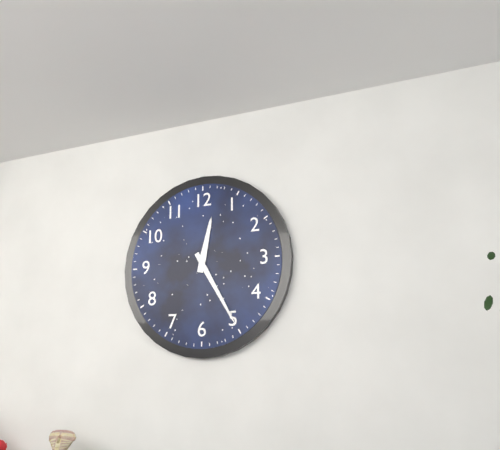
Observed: 12:25
